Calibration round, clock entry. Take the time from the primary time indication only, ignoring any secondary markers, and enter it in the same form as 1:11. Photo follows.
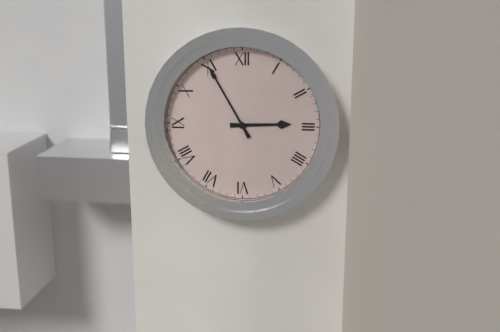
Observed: 2:55
